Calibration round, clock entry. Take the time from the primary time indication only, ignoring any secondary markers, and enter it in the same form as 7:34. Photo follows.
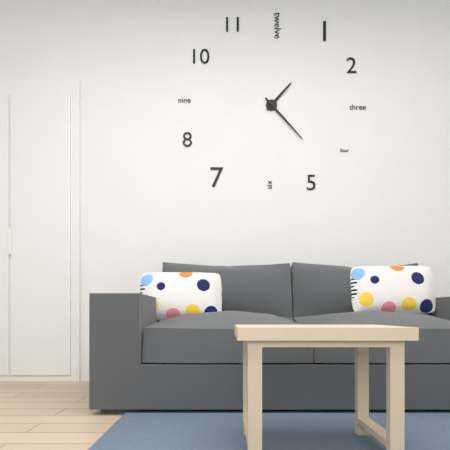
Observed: 1:23
